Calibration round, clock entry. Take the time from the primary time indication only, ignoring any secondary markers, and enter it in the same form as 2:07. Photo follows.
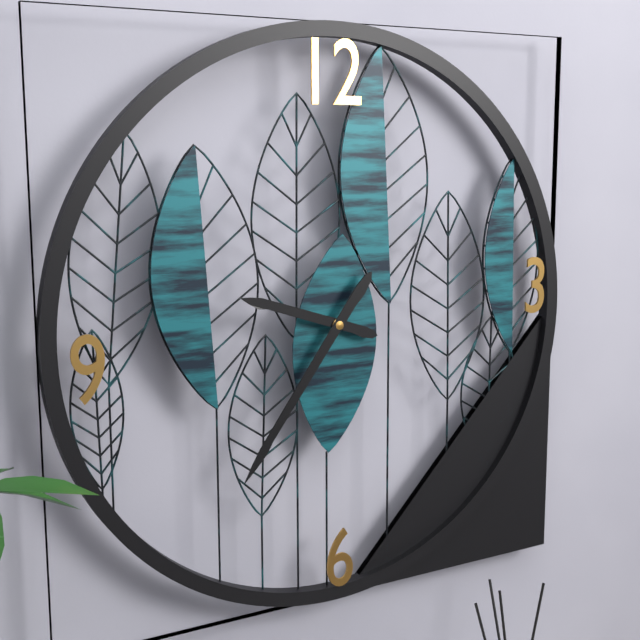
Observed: 9:36
